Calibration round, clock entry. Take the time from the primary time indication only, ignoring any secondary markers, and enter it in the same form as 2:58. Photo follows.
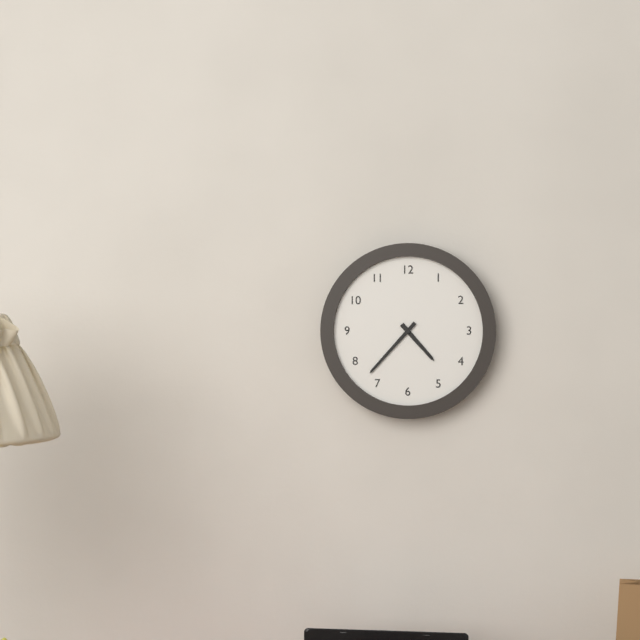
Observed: 4:37
